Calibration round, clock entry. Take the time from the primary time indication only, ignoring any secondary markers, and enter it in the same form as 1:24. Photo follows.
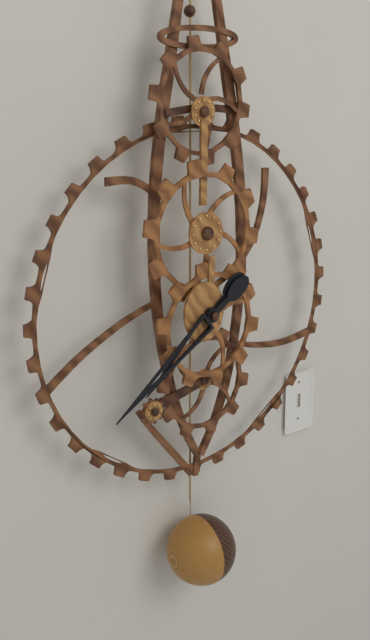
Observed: 7:39
